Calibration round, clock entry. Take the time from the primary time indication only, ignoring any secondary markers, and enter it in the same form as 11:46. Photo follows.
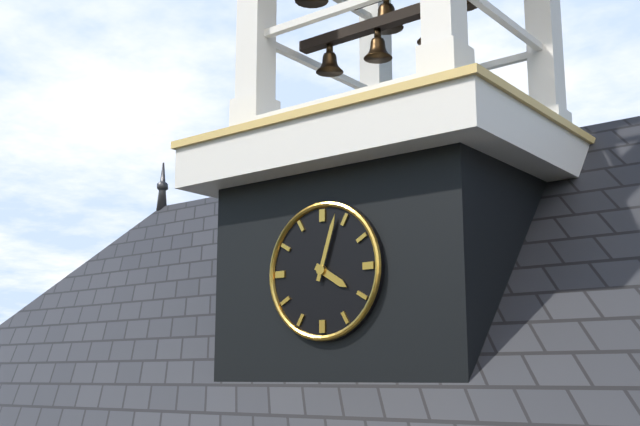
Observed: 4:03
